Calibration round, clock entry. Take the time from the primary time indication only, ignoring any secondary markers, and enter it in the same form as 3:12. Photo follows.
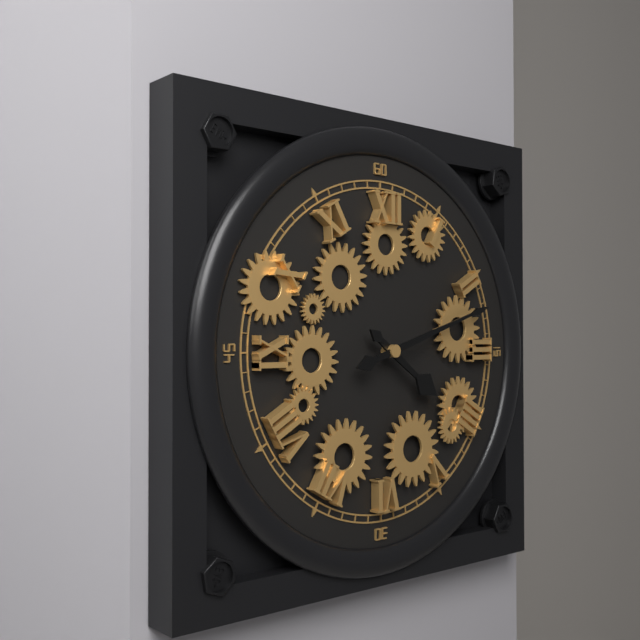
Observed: 4:12
